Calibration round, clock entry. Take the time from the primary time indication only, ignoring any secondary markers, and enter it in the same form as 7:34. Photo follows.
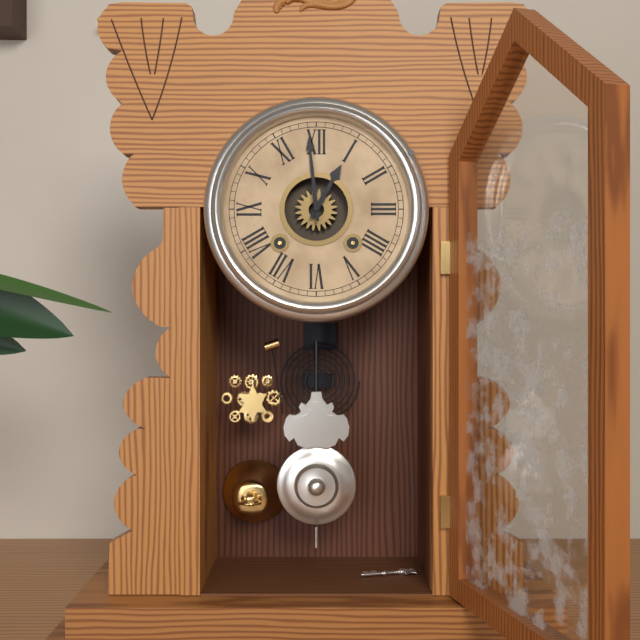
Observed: 12:59
